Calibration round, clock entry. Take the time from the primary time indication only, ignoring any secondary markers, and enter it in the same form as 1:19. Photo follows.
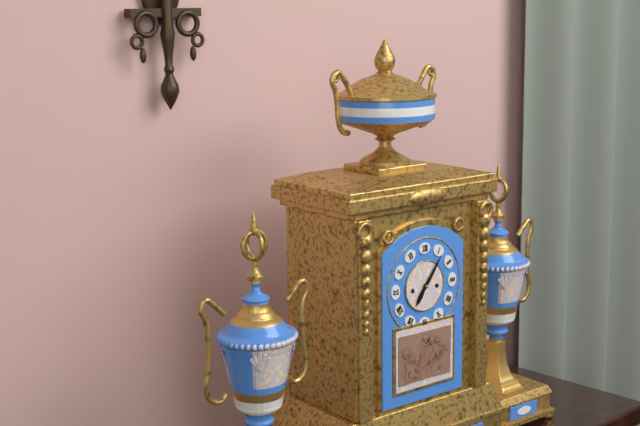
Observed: 7:06
